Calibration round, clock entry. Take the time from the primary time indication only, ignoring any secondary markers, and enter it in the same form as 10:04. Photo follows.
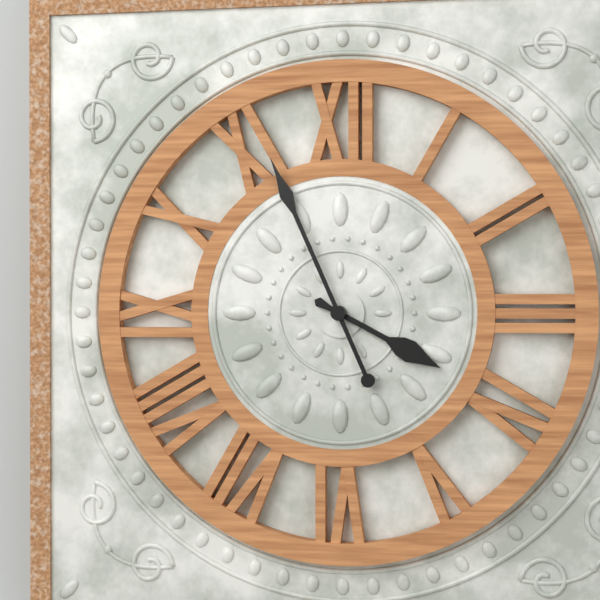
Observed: 3:56
